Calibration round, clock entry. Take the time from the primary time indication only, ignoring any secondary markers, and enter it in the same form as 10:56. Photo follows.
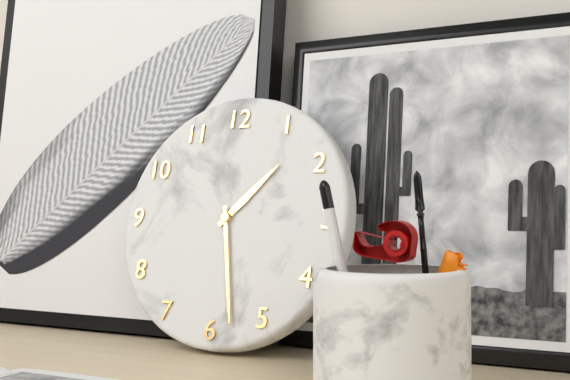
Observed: 1:28
